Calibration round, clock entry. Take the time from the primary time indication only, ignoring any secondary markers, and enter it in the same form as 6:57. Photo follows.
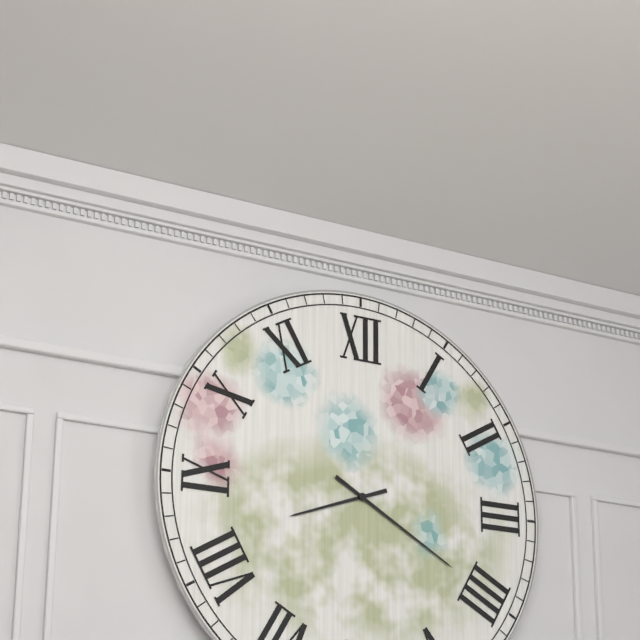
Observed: 8:20
